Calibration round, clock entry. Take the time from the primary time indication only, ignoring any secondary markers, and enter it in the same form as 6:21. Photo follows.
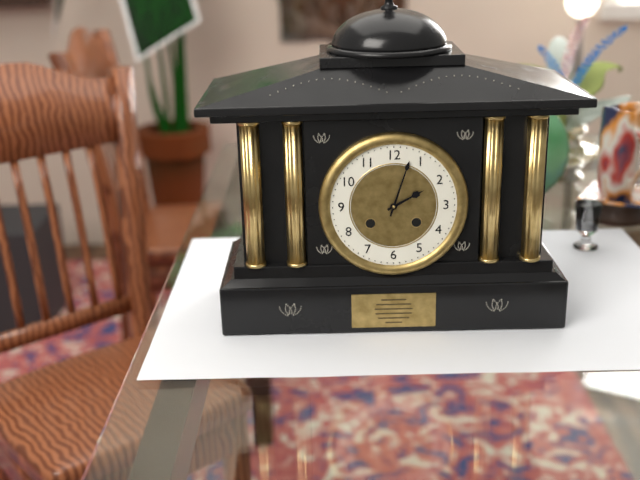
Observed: 2:03
